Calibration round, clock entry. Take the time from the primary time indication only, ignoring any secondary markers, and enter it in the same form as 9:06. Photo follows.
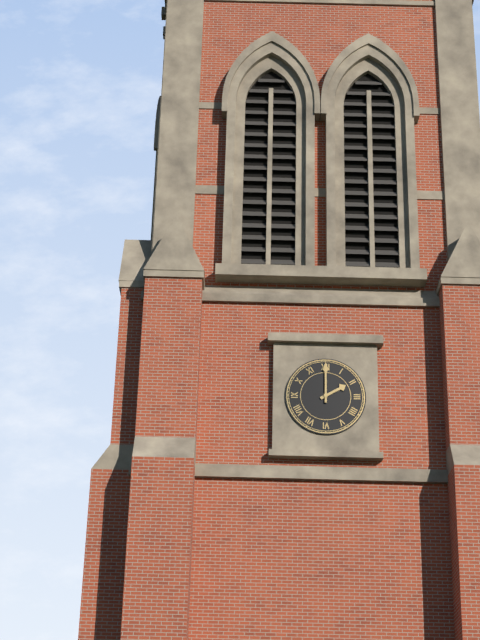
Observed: 2:00
